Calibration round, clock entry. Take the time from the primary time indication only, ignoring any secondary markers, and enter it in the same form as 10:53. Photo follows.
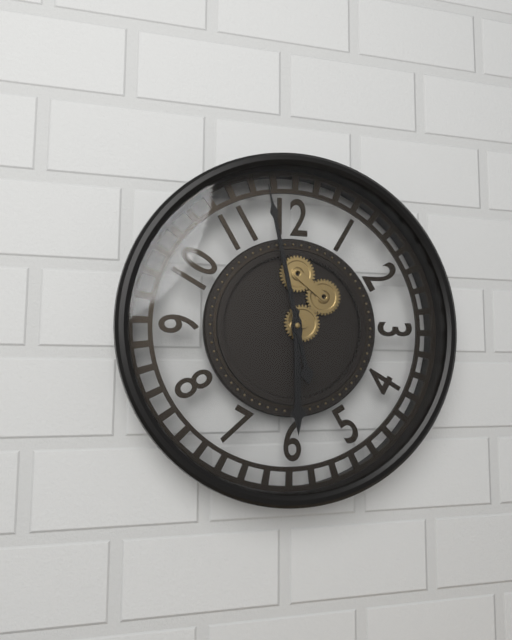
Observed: 5:58
